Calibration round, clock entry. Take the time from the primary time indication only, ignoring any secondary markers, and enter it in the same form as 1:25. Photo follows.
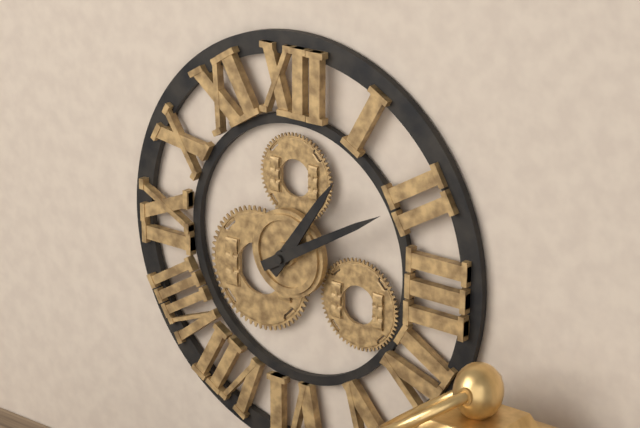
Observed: 1:10
